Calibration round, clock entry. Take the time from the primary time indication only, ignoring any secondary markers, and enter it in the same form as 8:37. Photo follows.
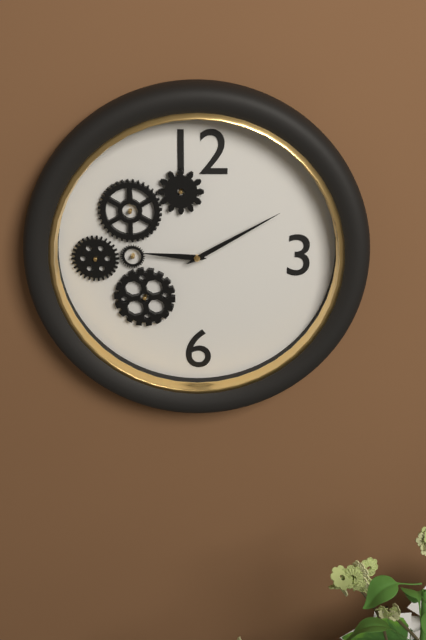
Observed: 9:10
